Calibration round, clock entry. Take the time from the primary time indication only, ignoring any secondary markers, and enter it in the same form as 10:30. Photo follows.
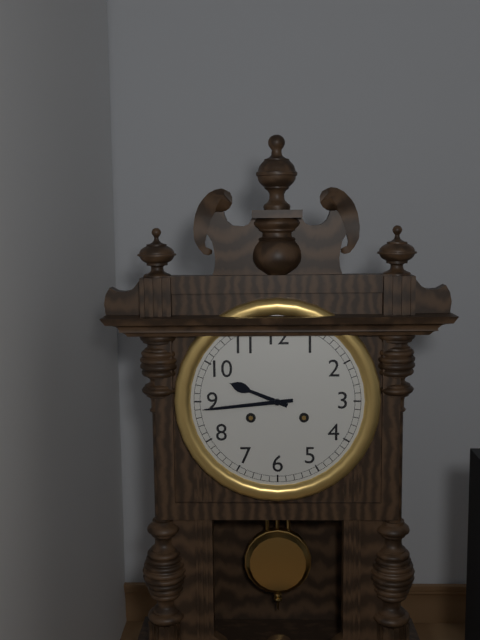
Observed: 9:44
